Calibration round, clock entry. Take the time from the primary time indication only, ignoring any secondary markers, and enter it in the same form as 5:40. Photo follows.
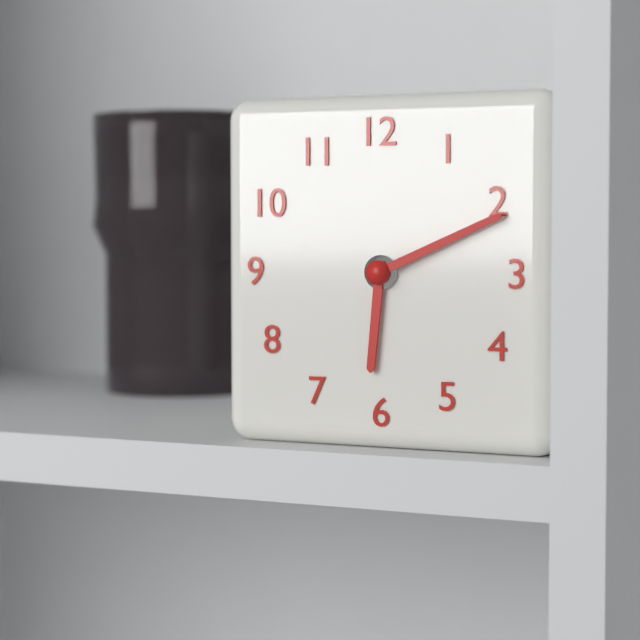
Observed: 6:11
